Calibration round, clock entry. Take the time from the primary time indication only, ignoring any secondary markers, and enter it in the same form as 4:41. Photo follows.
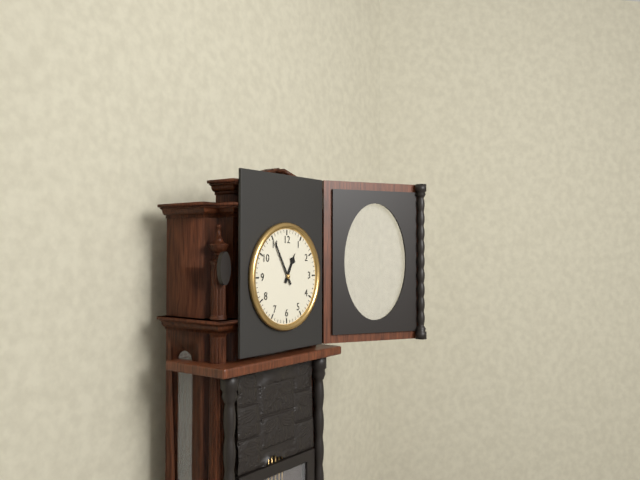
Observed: 12:55
